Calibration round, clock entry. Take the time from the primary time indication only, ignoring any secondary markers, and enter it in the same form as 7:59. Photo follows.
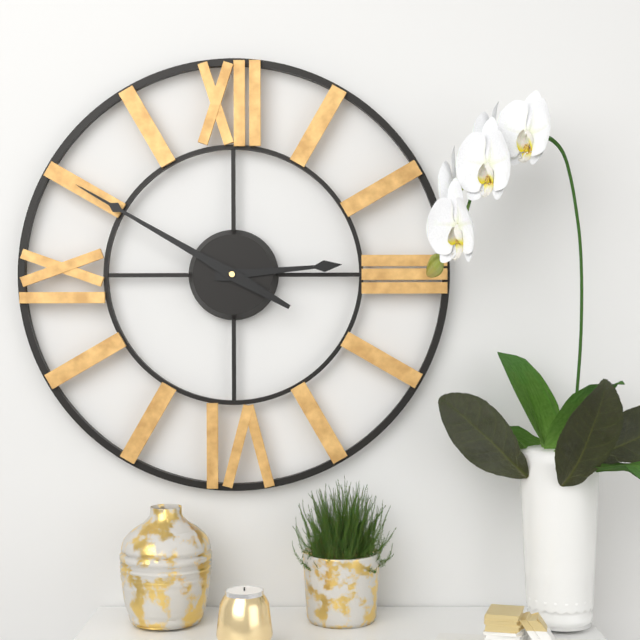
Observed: 2:50
